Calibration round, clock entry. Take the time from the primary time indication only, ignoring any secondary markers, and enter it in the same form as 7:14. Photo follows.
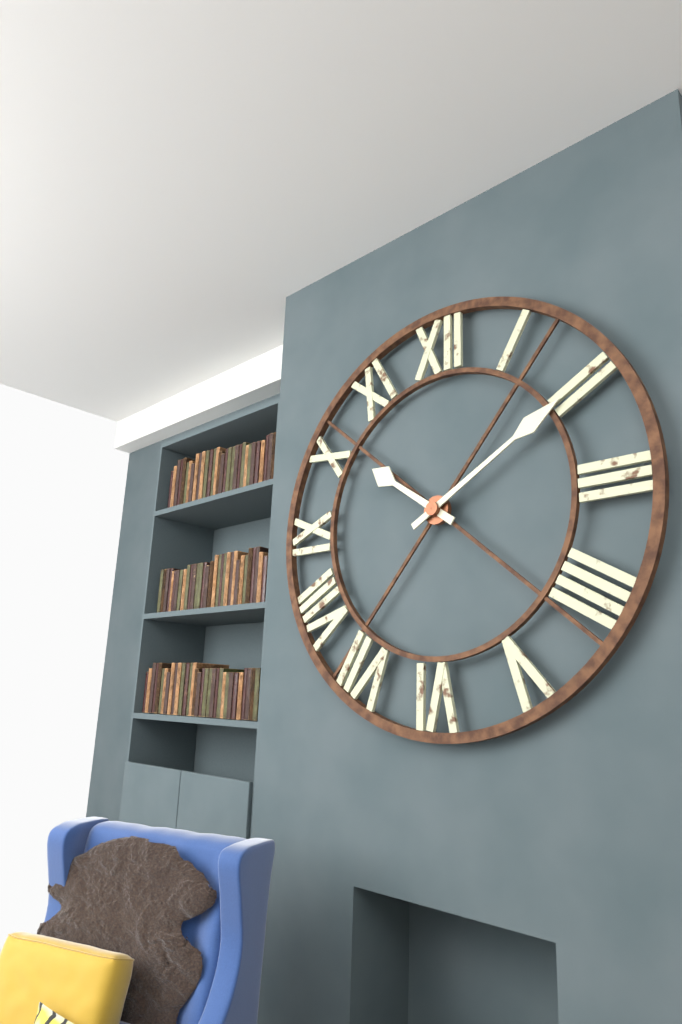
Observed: 10:10
